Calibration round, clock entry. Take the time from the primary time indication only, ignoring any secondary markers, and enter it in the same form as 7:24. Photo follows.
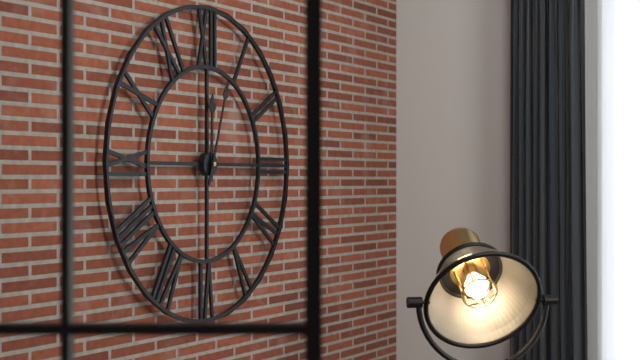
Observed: 12:03
